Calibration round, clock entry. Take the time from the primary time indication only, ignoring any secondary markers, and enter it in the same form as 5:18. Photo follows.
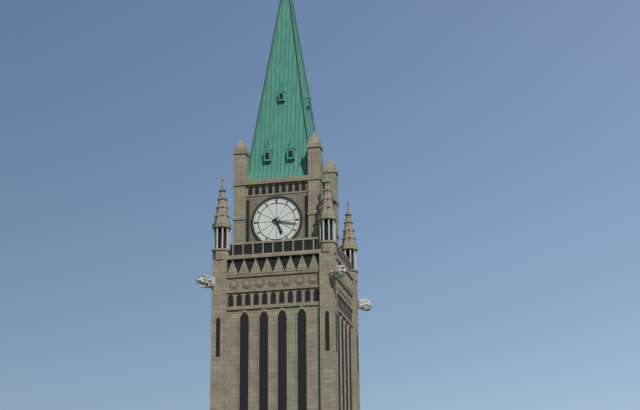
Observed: 5:17
